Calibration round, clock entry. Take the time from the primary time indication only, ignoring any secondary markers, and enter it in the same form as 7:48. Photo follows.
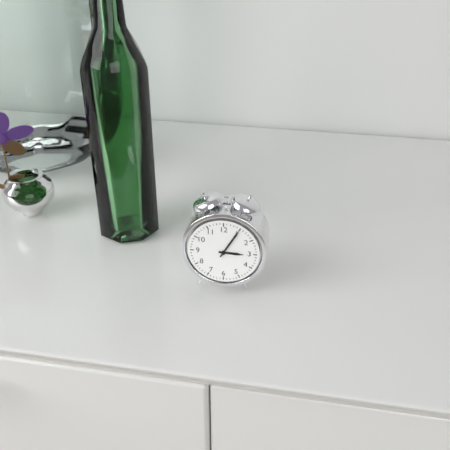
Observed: 3:05
